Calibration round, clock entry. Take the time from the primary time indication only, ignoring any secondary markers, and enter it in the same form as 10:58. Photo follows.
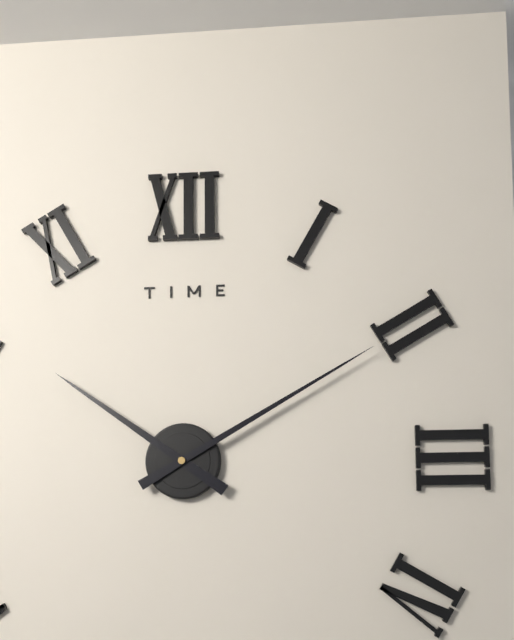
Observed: 10:10
